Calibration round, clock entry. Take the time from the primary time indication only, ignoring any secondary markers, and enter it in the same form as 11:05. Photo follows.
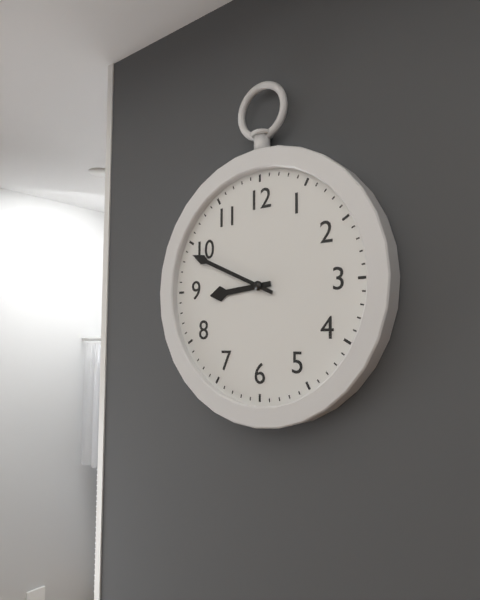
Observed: 8:49
